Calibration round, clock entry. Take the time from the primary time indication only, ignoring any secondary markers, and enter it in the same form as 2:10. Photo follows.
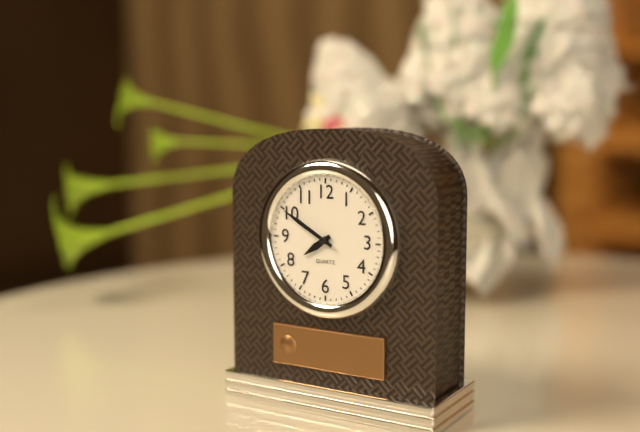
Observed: 7:50
